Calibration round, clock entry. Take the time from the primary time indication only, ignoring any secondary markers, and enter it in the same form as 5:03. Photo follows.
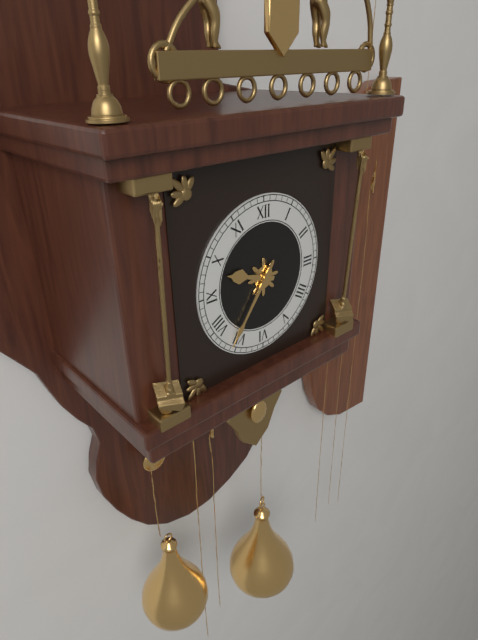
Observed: 9:36
